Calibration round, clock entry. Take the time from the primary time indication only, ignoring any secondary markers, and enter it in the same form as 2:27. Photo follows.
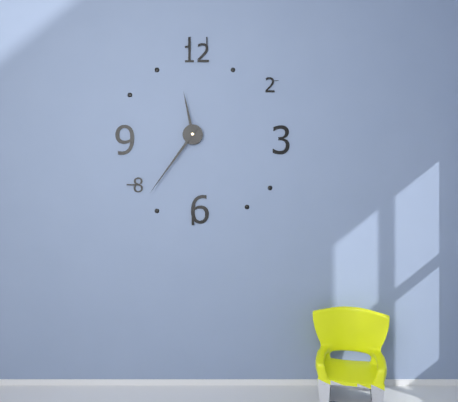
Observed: 11:36
